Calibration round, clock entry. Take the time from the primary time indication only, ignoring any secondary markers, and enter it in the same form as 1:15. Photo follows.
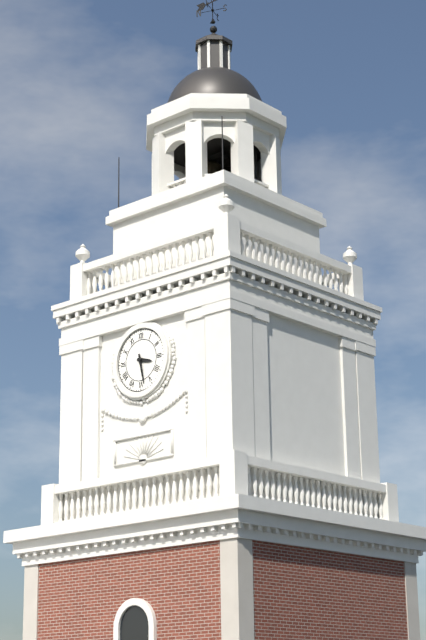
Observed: 3:28
